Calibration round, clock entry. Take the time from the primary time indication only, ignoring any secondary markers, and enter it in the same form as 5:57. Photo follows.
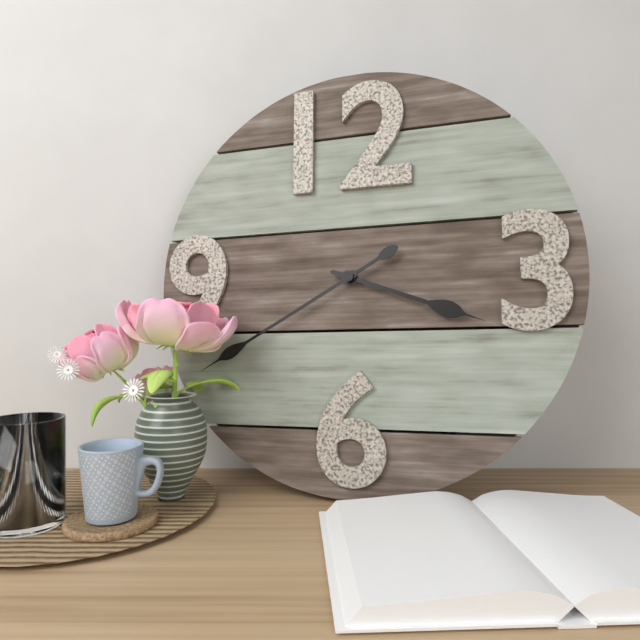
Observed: 3:40
